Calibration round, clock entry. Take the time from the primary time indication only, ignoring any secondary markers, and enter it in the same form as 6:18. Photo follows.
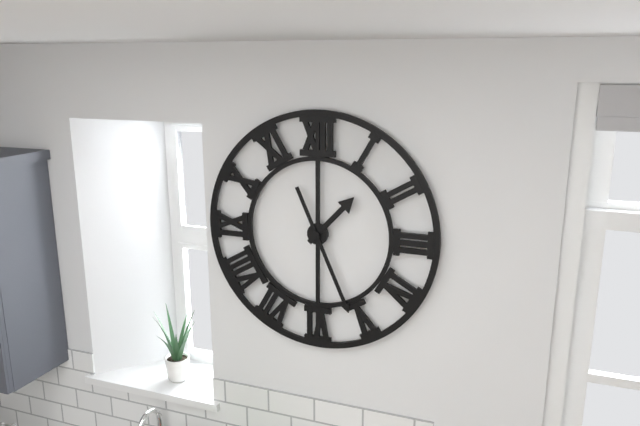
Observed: 1:26
